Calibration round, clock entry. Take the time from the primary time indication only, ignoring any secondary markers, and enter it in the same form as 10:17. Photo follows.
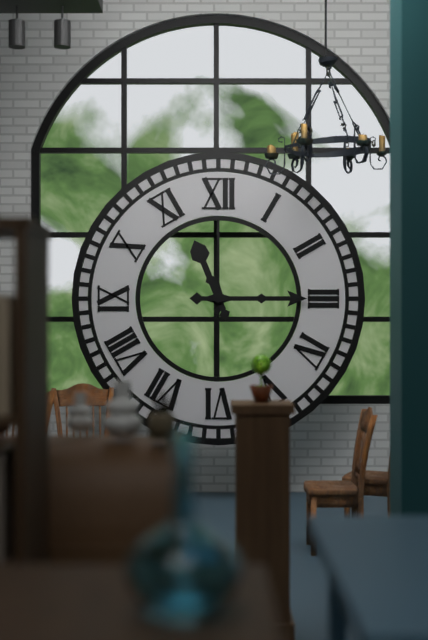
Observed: 11:15
